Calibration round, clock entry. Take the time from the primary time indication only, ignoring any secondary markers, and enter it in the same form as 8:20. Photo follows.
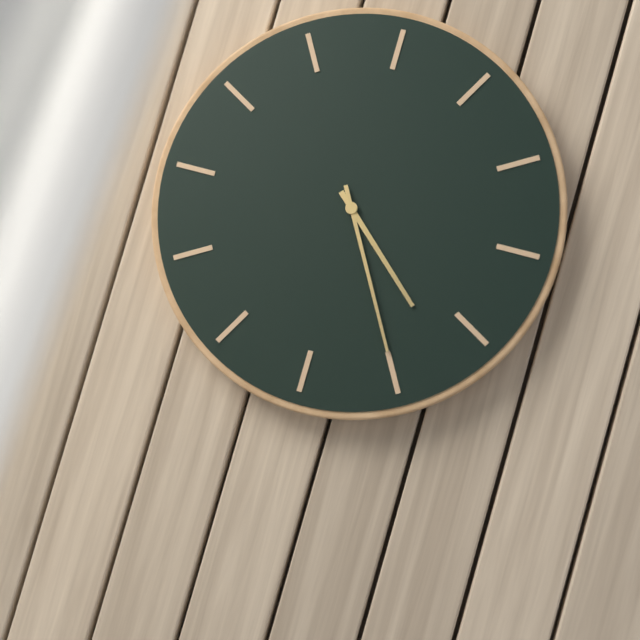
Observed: 4:25
